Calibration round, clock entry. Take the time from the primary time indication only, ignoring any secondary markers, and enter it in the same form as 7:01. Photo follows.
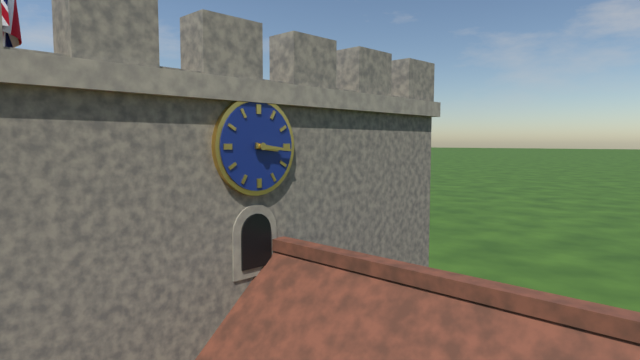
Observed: 3:16
